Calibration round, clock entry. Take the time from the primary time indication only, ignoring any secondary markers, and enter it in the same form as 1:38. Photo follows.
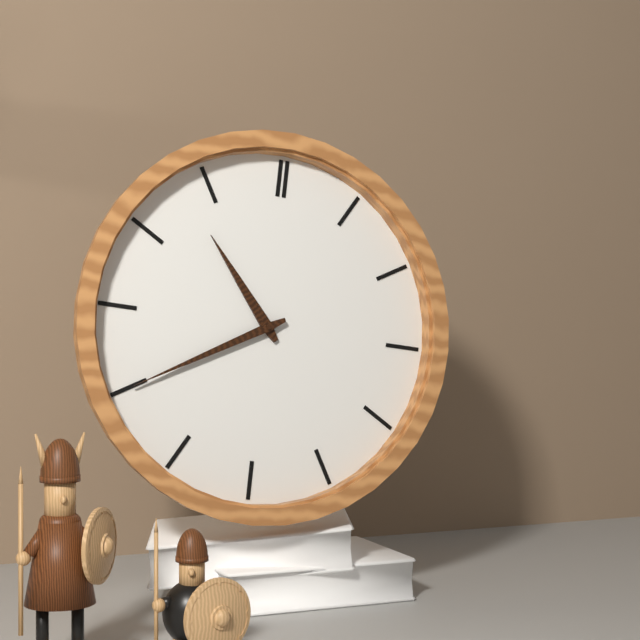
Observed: 10:40
